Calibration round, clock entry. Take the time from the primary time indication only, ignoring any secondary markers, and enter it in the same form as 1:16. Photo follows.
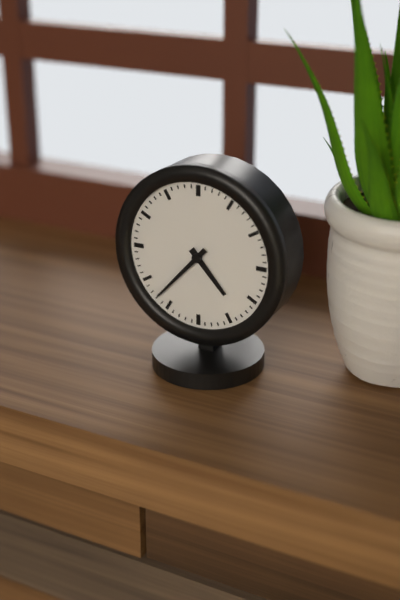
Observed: 4:37
